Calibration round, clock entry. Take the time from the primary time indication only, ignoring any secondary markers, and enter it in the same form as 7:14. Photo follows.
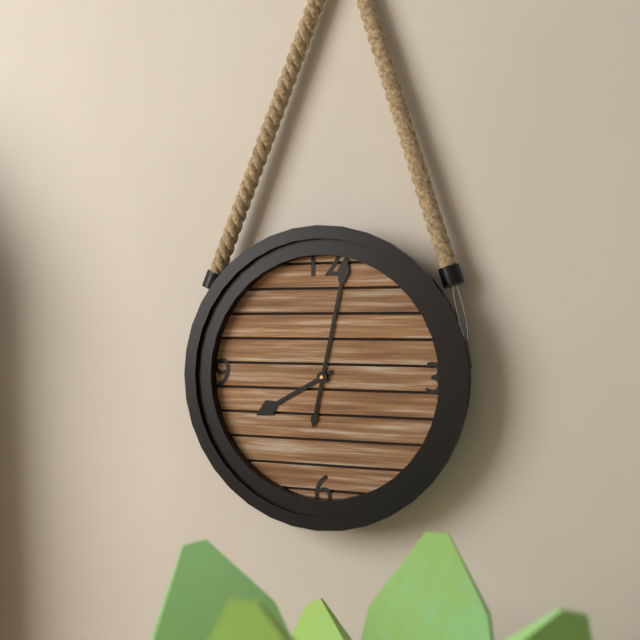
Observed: 8:02
